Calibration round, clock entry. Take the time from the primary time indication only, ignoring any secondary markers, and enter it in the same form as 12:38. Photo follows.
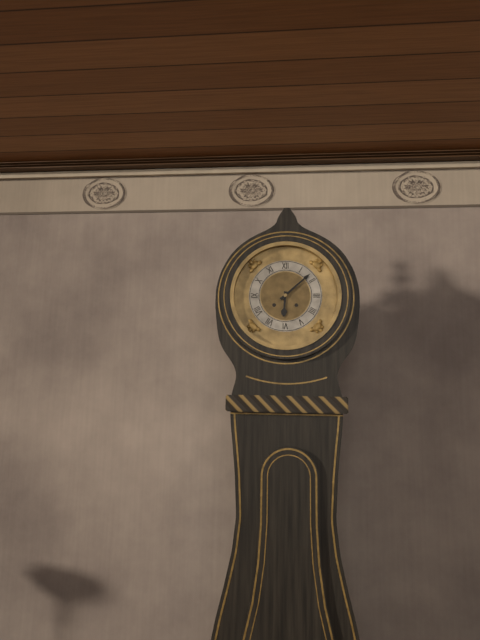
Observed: 6:08
